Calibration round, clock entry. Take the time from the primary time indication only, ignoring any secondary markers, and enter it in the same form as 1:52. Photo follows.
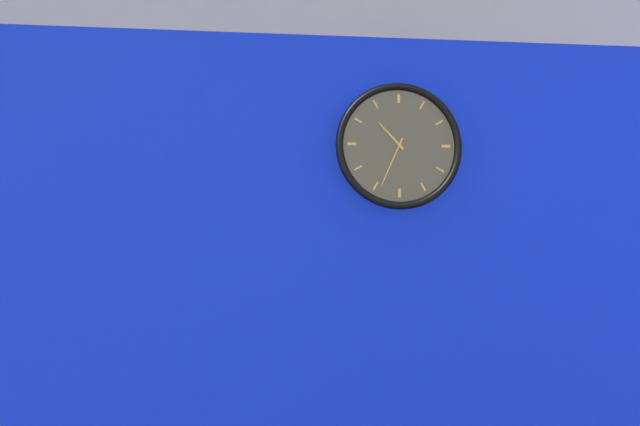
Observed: 10:34
